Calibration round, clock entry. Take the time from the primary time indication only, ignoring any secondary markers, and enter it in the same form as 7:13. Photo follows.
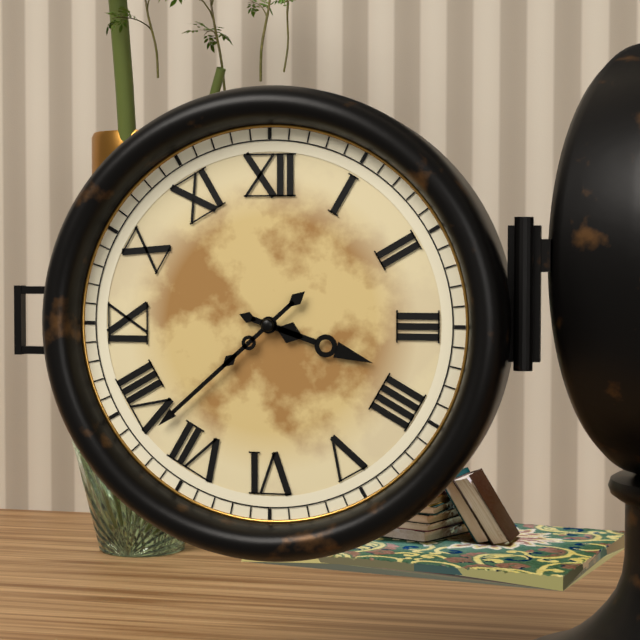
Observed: 3:38
